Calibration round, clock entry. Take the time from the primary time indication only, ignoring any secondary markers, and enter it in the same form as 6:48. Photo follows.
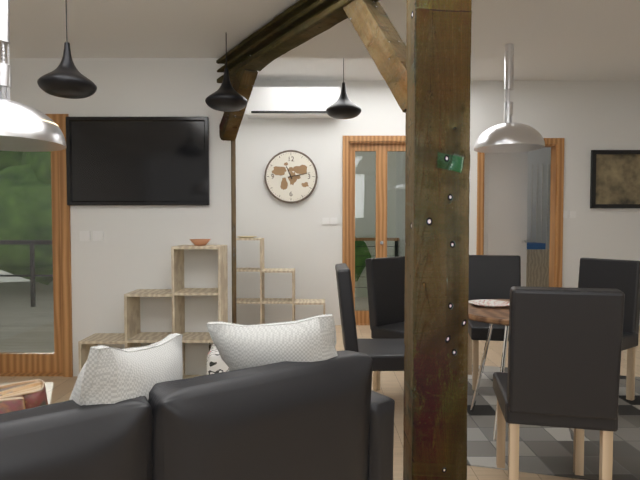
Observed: 11:13
